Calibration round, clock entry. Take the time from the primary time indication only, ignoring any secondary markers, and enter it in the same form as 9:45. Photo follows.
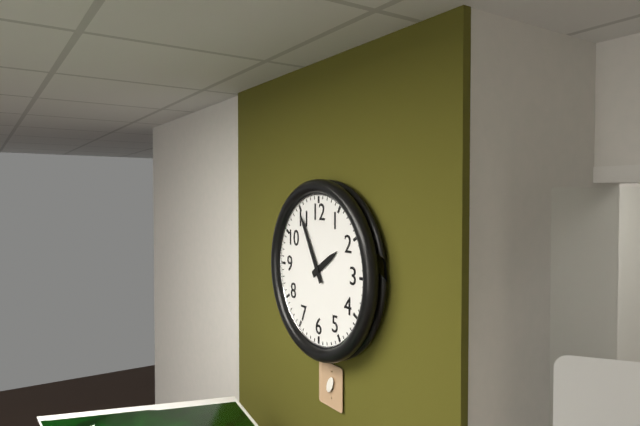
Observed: 1:55
